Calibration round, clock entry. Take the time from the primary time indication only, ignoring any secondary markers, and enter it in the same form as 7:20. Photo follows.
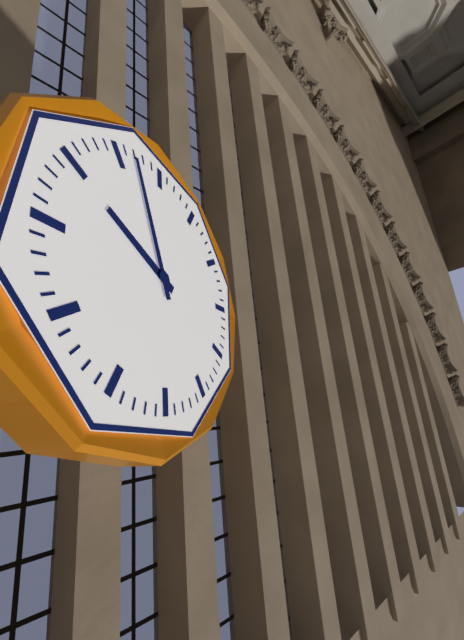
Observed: 9:57
